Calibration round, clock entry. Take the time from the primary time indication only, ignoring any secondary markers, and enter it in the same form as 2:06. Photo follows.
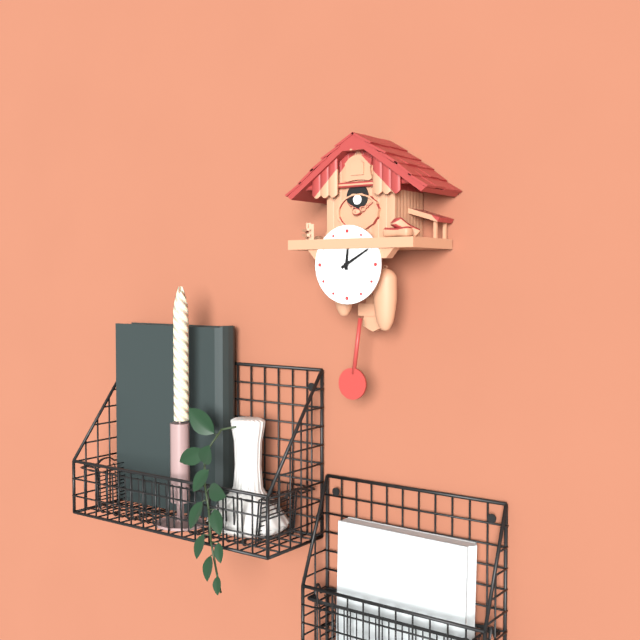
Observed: 12:10
